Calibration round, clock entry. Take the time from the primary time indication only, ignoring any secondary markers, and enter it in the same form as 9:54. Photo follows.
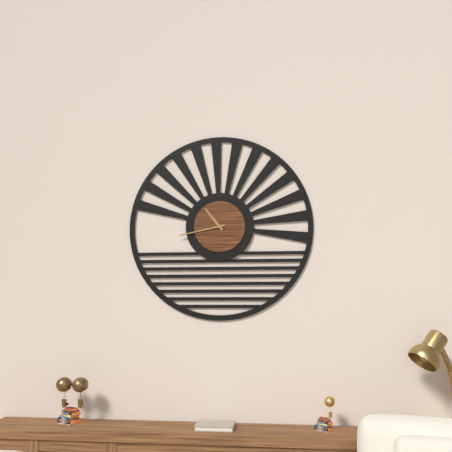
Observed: 10:43
